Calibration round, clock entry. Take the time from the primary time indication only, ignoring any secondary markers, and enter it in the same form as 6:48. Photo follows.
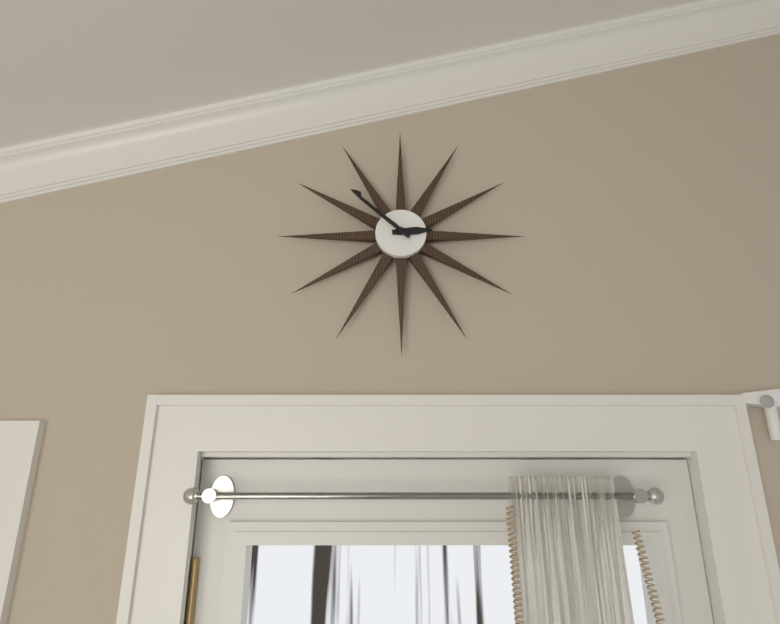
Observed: 2:52
